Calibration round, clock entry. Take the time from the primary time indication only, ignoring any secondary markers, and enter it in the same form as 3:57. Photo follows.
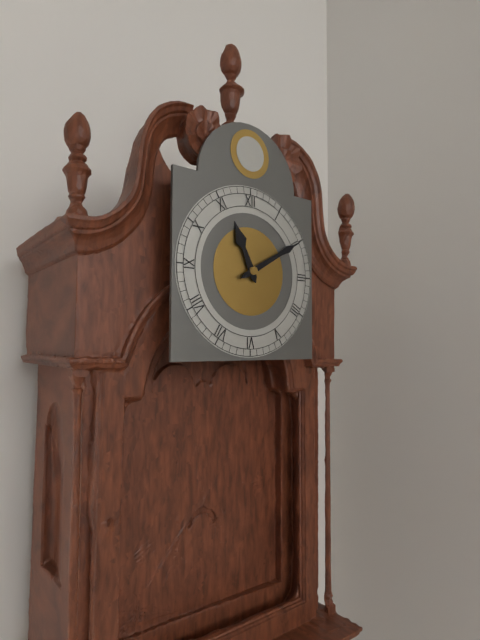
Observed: 11:10
